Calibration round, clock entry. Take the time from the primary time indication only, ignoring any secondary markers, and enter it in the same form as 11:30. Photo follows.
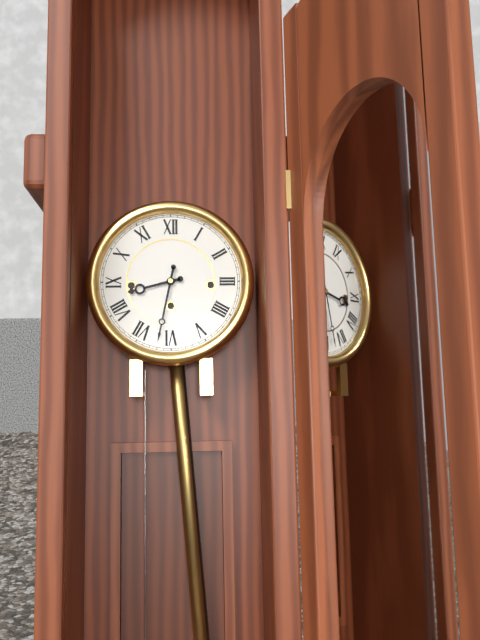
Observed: 8:32
